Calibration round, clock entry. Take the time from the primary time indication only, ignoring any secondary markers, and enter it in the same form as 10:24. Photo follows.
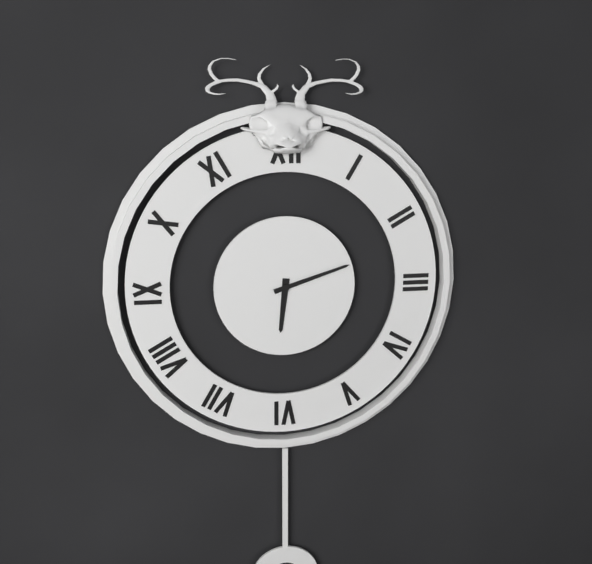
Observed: 6:12
